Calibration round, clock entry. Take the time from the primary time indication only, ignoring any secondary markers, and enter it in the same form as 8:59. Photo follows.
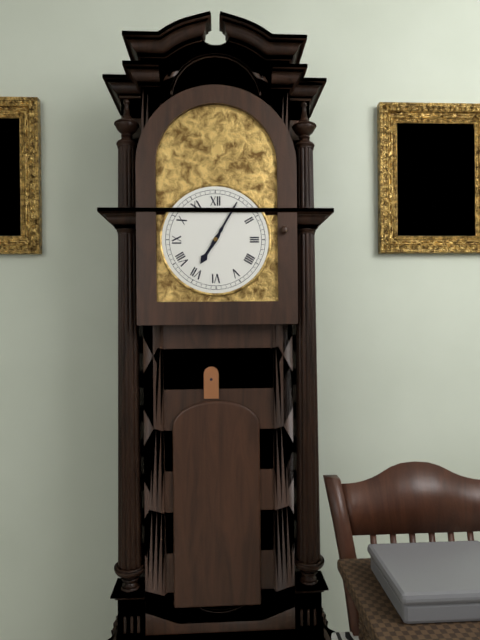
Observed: 7:05
